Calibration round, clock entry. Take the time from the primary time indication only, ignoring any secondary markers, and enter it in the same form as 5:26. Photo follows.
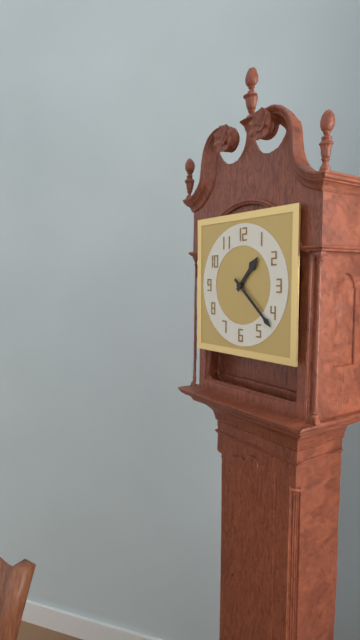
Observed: 1:22
